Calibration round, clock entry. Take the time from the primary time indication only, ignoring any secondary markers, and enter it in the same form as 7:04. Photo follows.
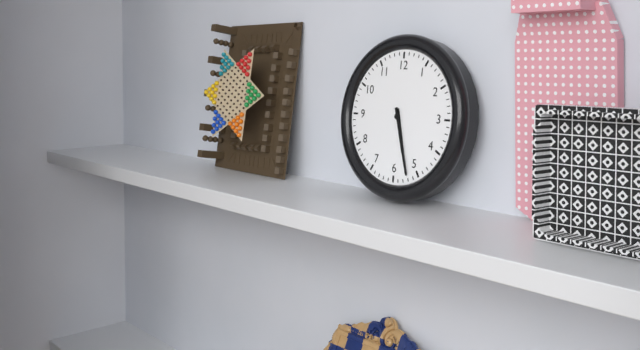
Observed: 5:27
